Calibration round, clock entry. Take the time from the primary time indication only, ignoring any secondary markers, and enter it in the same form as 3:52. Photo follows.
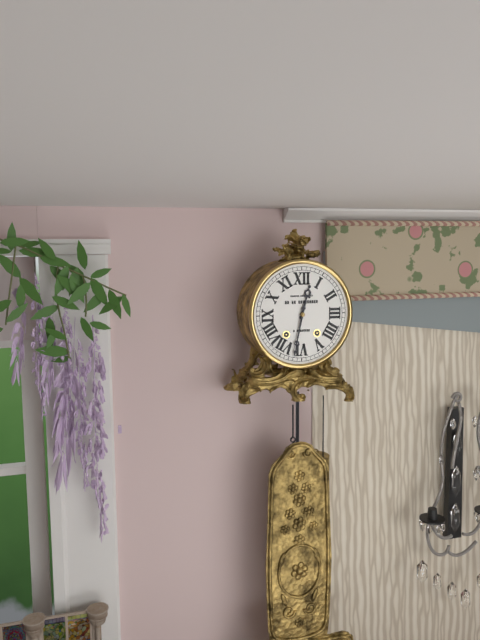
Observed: 12:32
